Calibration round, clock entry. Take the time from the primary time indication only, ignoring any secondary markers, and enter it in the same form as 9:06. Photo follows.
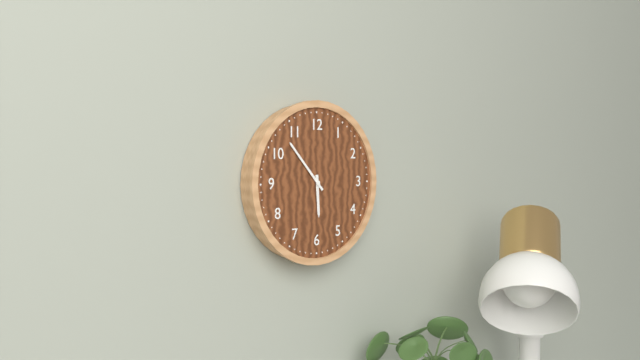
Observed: 5:53
